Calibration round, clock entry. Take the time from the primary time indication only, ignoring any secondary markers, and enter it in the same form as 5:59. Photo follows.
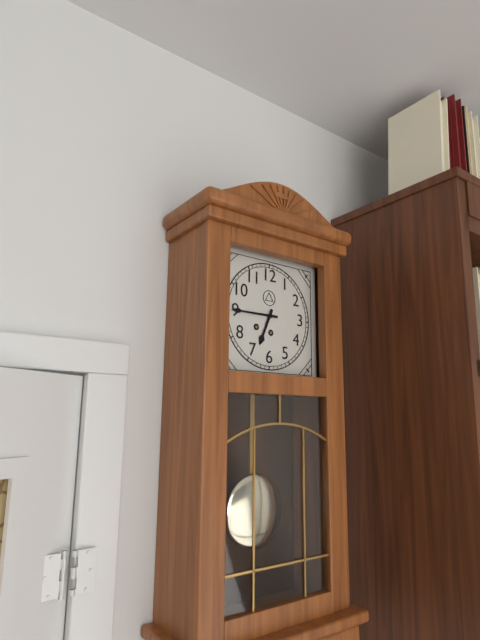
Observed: 6:45
